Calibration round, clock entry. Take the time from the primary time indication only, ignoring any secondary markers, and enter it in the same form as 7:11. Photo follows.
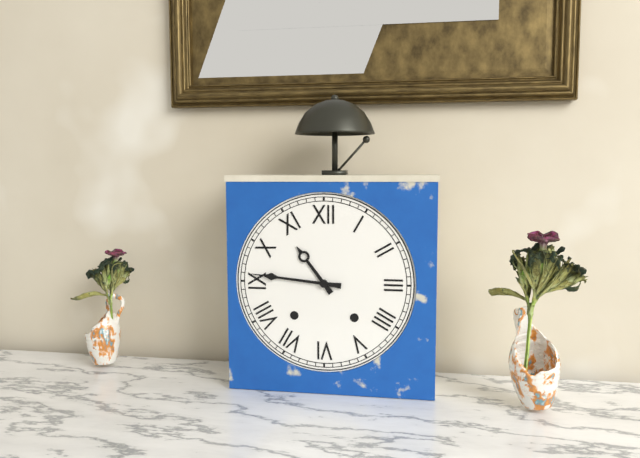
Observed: 10:46
